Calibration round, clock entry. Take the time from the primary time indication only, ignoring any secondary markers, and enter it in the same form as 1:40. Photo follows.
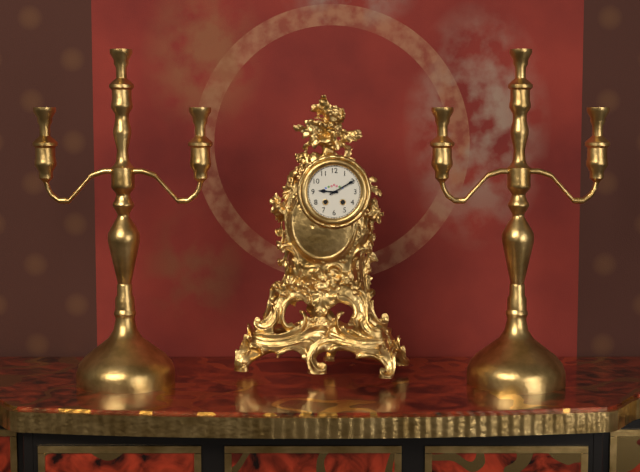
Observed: 9:10
